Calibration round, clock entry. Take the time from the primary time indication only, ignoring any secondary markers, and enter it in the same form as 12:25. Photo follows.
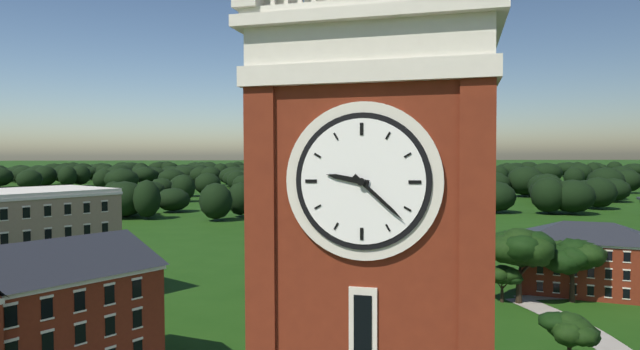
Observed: 9:22
